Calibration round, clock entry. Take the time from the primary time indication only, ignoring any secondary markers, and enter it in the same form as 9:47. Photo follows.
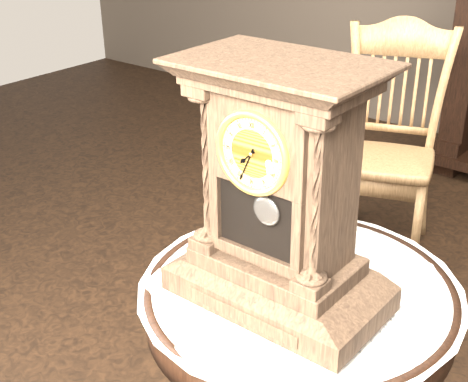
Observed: 7:34
